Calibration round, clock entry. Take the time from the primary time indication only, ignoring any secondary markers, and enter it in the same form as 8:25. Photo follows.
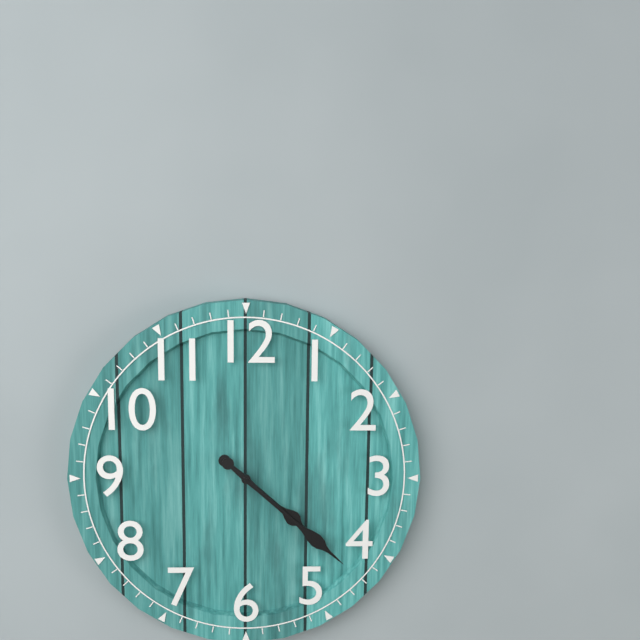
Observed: 4:22
